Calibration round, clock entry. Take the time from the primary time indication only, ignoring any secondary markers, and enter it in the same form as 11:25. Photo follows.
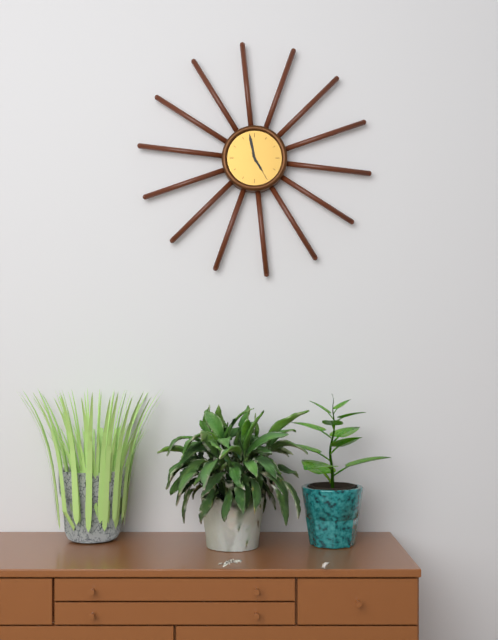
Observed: 4:58
